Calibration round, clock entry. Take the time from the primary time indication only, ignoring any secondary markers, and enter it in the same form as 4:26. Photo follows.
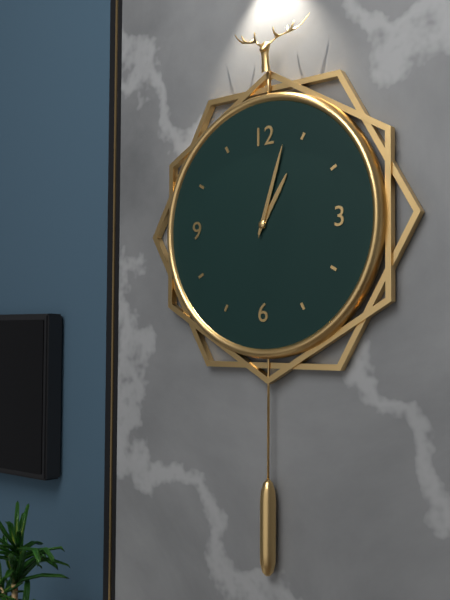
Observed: 1:03
